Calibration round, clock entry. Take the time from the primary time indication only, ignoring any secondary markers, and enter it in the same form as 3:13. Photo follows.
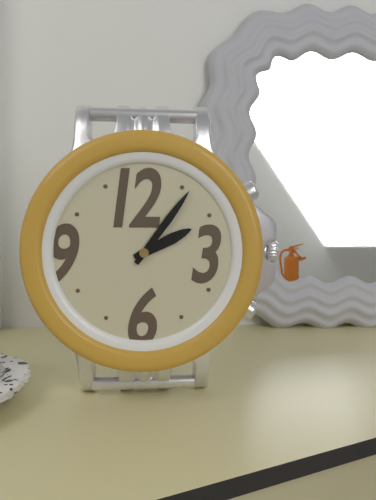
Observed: 2:06
